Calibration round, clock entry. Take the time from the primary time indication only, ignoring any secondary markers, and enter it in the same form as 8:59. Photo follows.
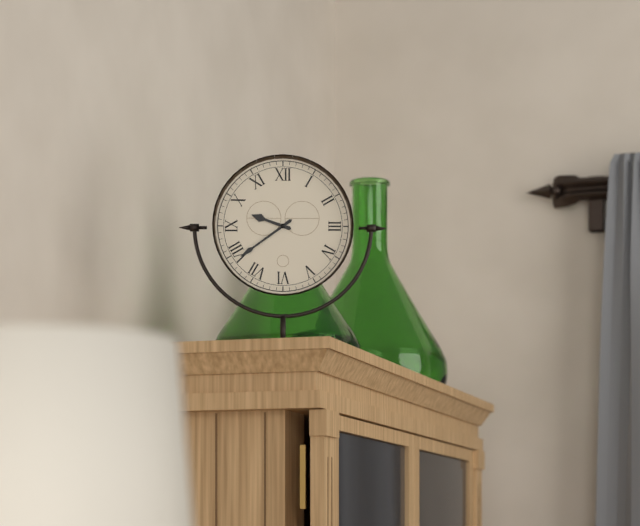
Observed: 9:39
